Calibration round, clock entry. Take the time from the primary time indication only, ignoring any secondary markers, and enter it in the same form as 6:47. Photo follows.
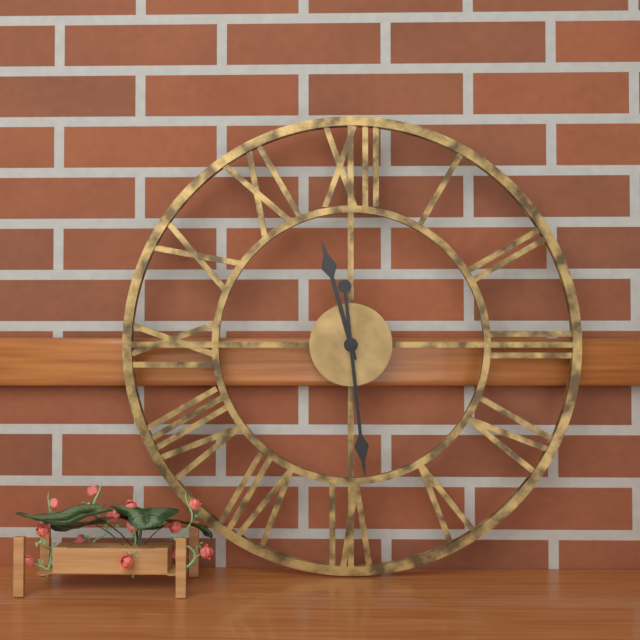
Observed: 11:29
